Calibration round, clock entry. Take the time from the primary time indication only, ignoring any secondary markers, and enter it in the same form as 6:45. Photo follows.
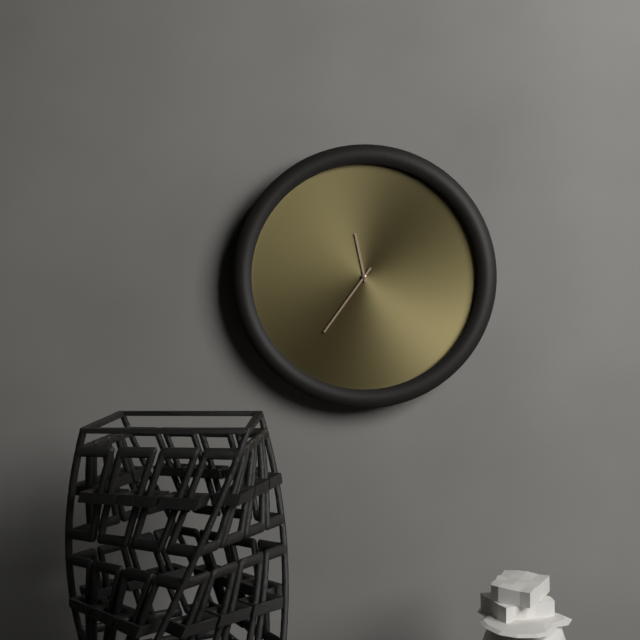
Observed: 11:36
